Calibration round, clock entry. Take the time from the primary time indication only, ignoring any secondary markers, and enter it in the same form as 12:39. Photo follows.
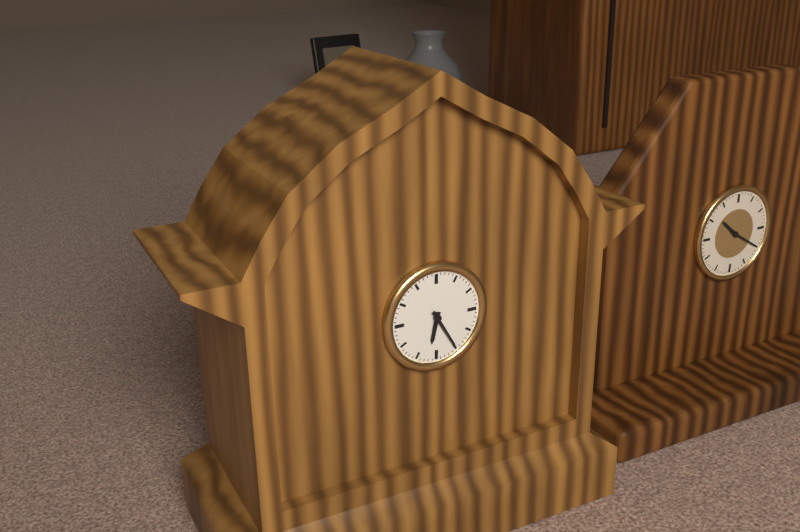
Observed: 6:25
